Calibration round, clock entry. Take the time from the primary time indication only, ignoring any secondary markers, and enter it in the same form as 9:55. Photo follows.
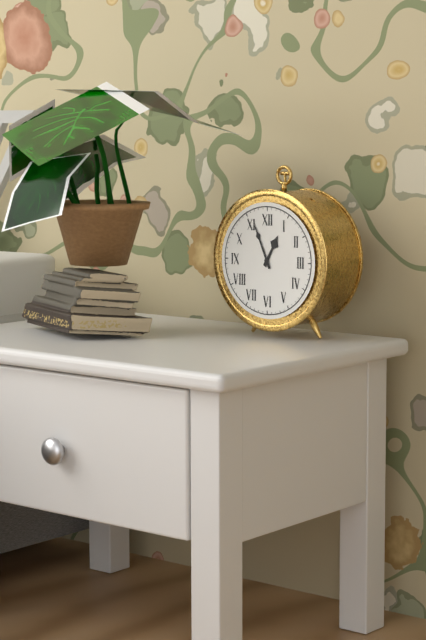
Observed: 12:56
